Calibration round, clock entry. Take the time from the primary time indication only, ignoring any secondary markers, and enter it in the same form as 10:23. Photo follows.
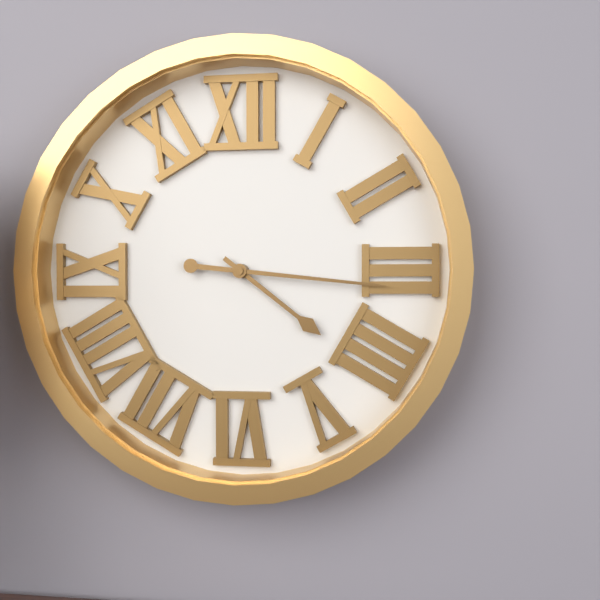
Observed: 4:16
